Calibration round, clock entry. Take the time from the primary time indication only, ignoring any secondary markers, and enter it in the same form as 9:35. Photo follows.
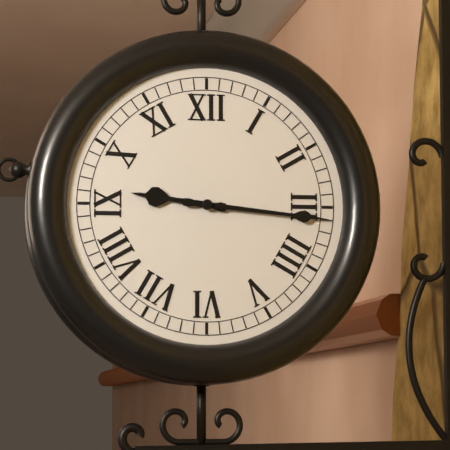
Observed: 9:16
